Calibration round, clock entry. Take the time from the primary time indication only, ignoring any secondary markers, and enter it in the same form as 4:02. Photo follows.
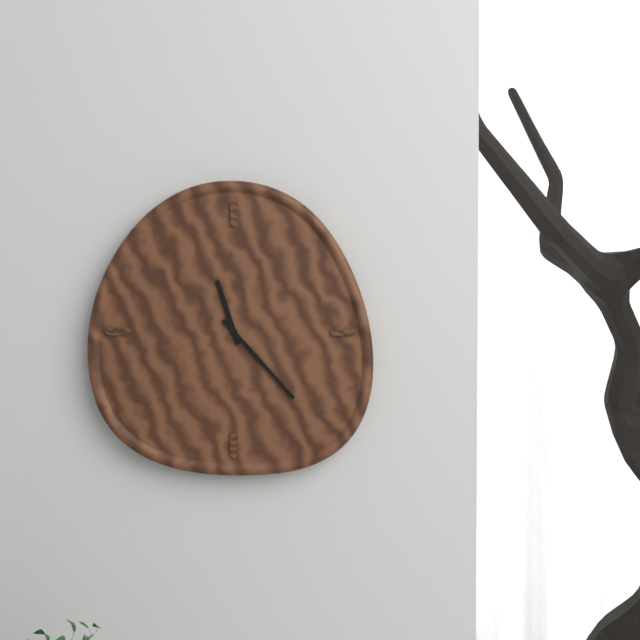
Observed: 11:23
